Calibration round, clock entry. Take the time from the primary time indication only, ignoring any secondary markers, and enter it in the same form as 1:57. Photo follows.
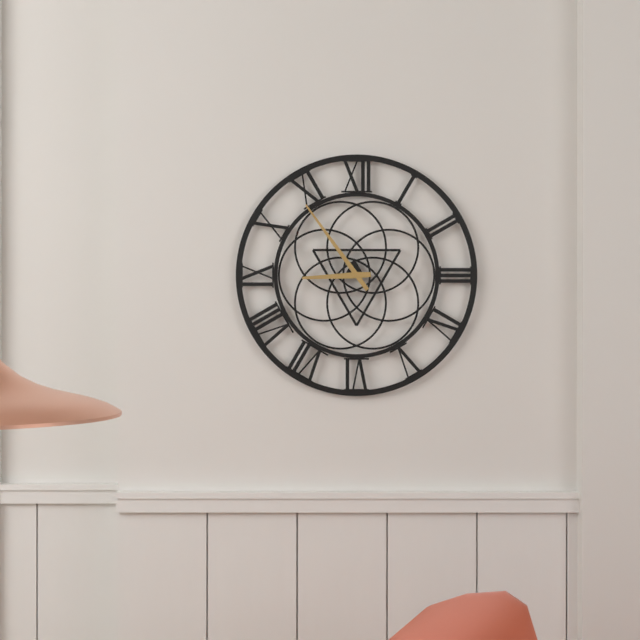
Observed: 8:54
